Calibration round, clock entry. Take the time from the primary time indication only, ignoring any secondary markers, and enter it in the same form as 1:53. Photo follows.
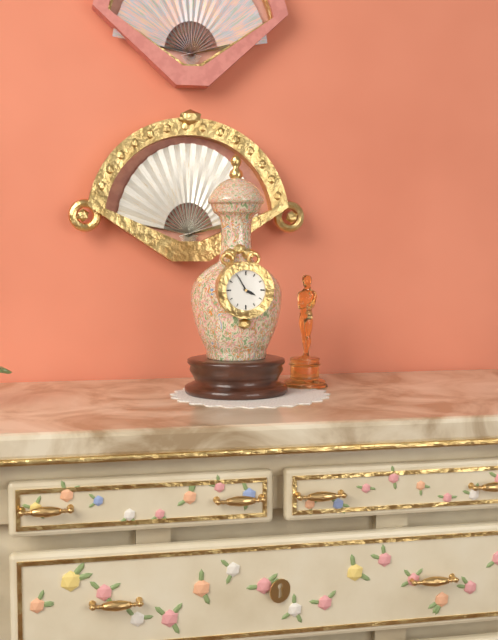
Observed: 3:55
